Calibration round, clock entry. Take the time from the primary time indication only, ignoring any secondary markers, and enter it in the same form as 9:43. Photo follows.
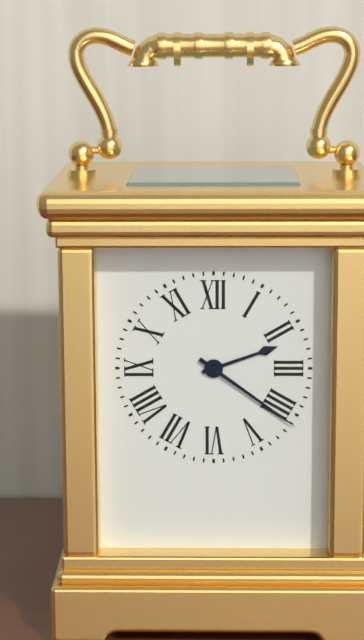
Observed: 2:21
